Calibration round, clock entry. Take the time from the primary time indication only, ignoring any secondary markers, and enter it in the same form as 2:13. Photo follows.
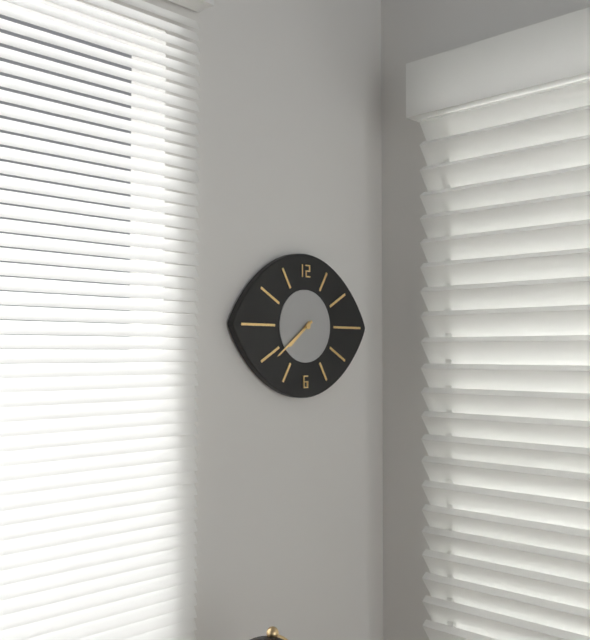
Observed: 7:39
